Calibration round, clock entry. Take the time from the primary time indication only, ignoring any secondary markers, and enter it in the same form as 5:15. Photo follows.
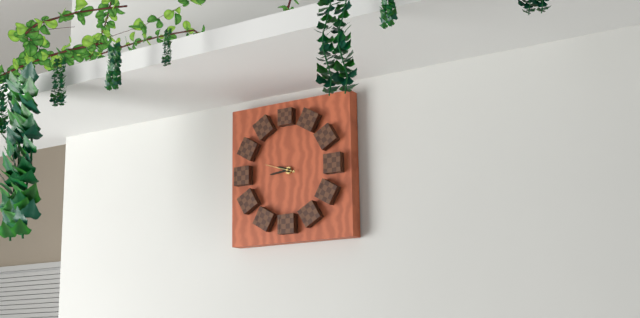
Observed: 9:44
